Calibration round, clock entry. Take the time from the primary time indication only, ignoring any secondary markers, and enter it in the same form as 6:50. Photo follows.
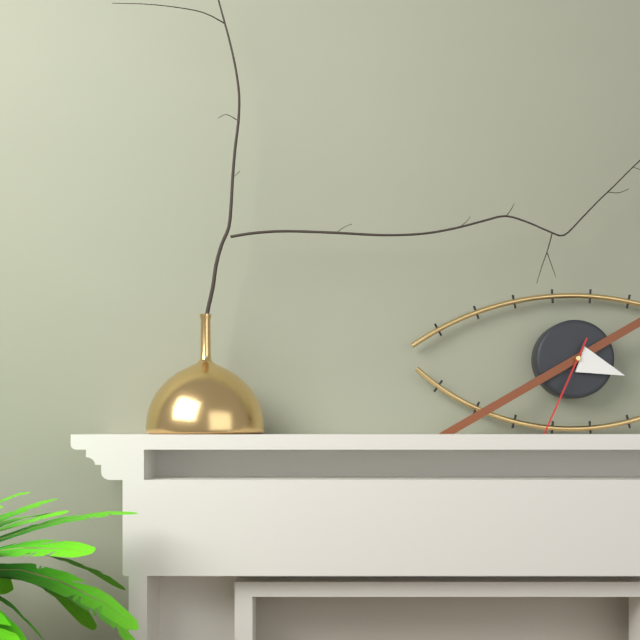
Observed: 3:40
